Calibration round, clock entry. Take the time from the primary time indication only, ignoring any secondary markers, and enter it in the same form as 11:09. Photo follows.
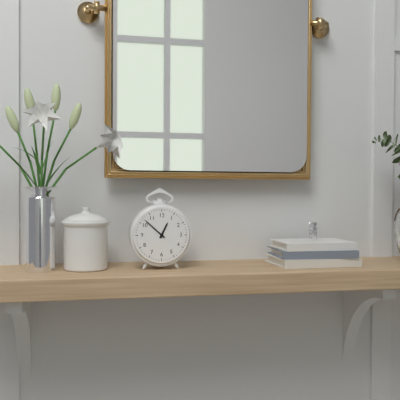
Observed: 12:52
